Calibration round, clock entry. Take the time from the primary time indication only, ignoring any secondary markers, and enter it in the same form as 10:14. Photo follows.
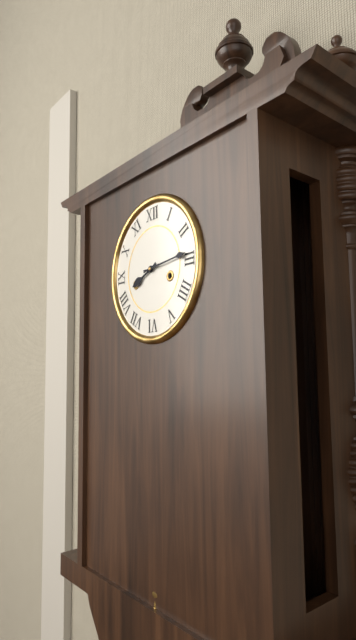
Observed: 8:14
